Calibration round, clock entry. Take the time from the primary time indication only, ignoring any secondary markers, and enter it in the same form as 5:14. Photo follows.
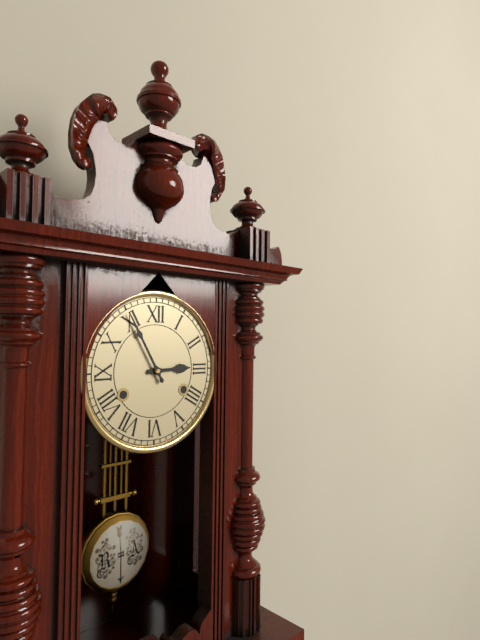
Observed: 2:55
